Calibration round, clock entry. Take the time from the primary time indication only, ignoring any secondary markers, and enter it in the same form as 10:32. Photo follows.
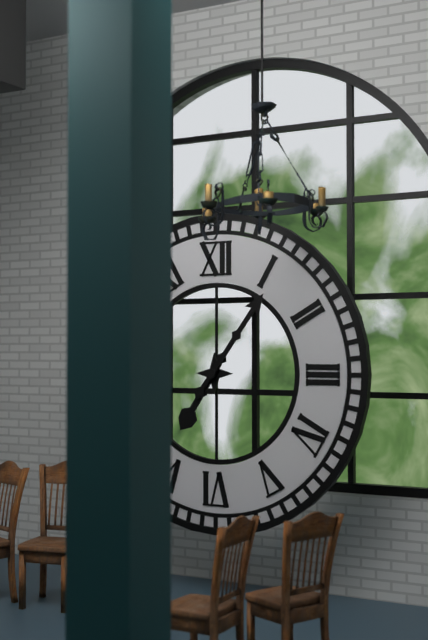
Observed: 7:06
